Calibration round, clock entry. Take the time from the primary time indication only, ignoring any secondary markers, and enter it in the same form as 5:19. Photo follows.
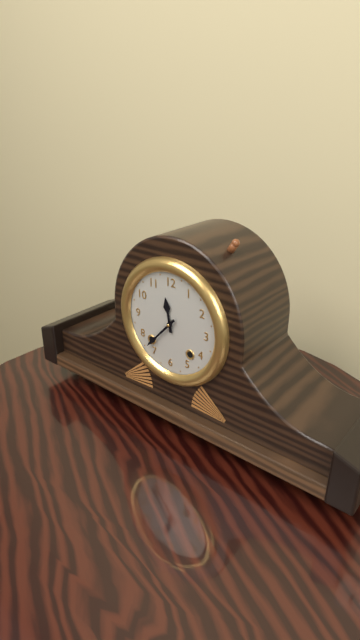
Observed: 11:37
